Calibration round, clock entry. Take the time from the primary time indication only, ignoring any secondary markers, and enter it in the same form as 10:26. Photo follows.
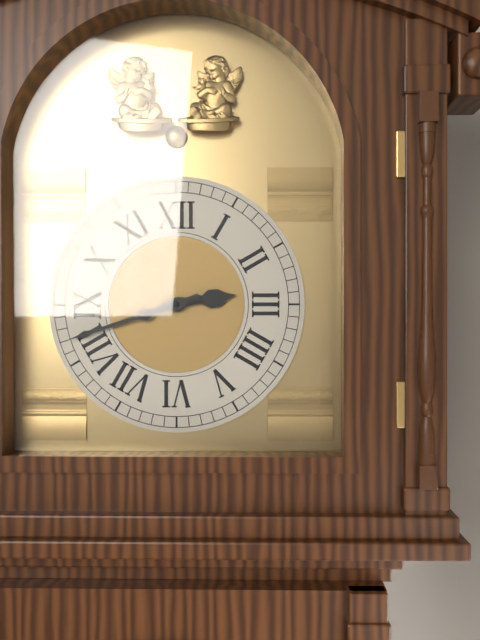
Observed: 2:42
